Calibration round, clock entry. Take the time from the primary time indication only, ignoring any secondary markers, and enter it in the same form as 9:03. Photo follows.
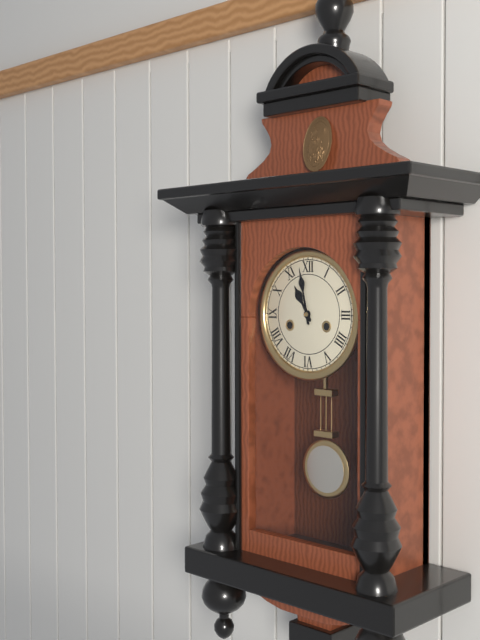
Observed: 10:58
